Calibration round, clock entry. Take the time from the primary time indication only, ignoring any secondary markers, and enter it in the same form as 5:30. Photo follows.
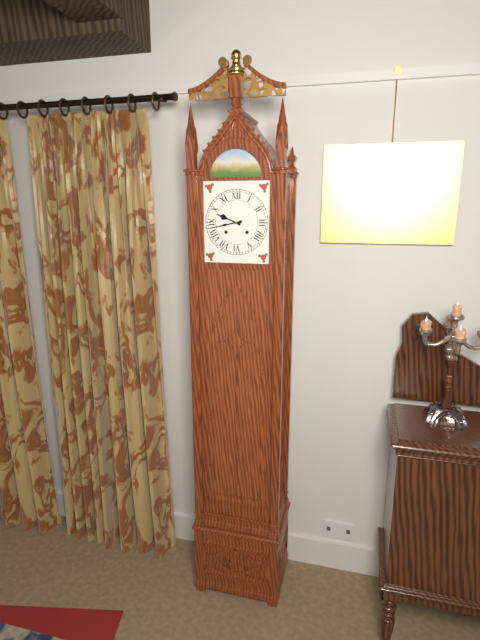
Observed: 9:43
